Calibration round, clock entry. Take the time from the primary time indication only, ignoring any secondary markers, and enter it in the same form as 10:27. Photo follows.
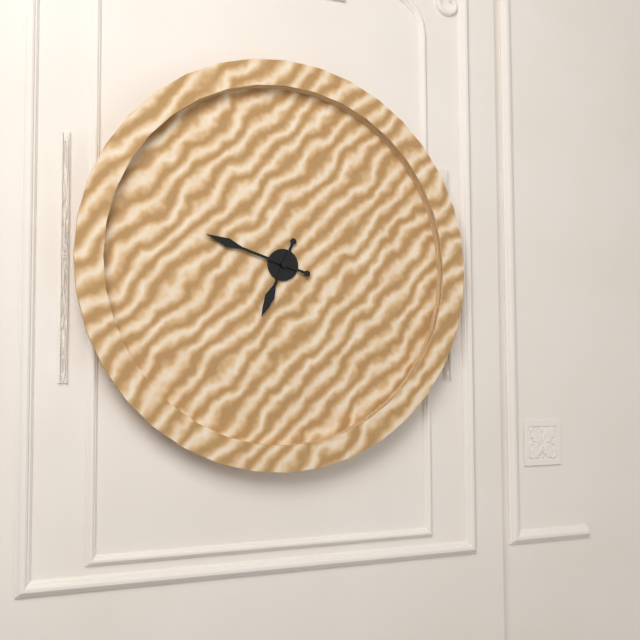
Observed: 6:48
